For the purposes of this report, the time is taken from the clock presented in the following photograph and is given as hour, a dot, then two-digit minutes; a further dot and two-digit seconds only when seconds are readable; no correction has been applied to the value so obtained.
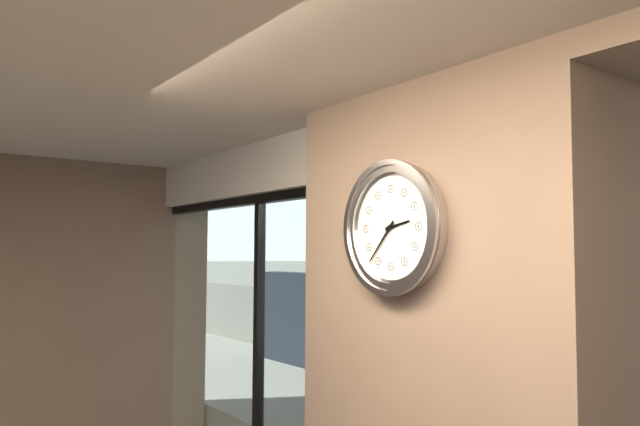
2.37
